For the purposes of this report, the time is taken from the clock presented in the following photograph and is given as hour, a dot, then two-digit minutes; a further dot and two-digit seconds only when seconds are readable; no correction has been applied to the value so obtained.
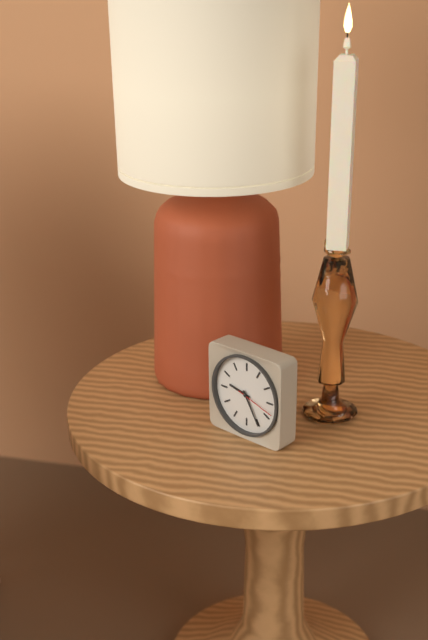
9.25
